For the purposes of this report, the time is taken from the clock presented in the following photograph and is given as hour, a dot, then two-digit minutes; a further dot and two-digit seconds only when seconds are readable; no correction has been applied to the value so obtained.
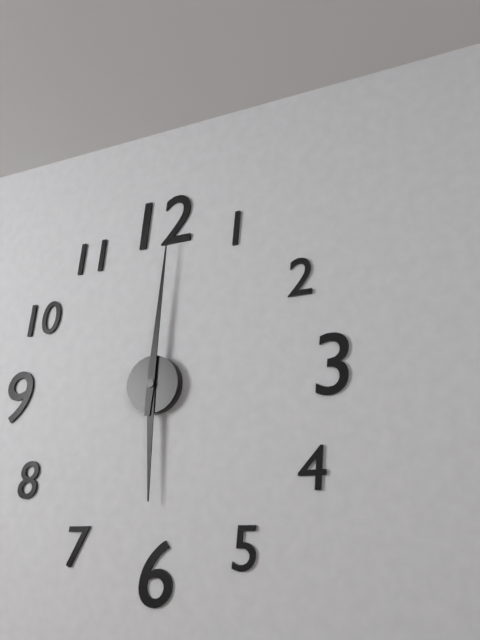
6.01
